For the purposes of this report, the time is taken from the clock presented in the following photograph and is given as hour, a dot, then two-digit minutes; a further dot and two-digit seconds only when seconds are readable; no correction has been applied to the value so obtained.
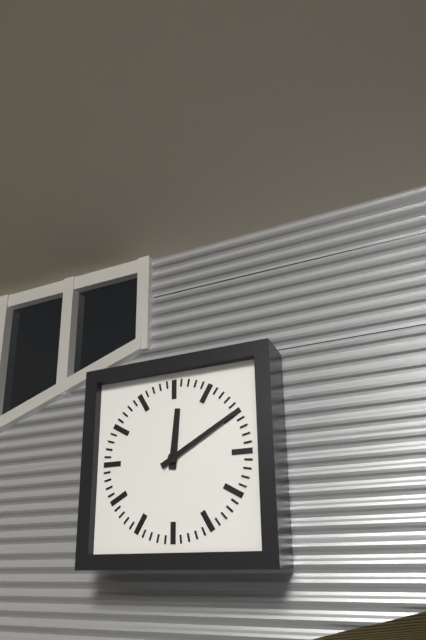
12.10
